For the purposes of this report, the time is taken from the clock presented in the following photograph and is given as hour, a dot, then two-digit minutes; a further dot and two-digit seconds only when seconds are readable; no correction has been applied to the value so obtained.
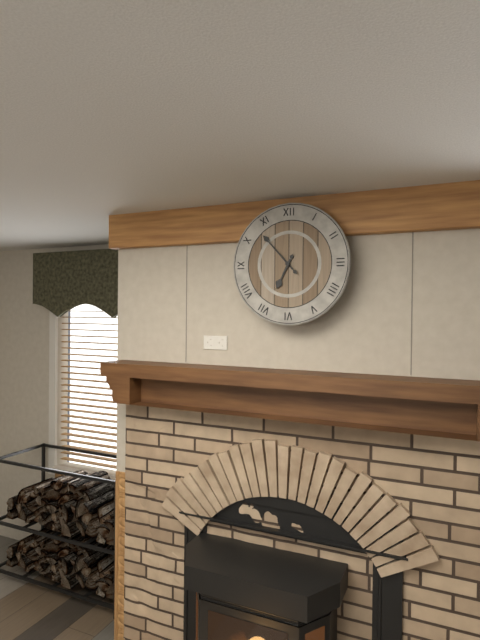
6.53
